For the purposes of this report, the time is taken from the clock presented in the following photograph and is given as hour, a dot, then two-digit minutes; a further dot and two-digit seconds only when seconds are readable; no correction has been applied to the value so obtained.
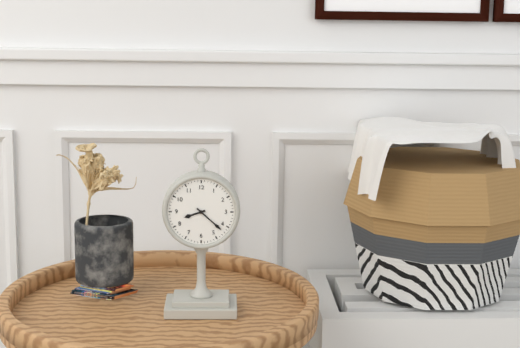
8.22
